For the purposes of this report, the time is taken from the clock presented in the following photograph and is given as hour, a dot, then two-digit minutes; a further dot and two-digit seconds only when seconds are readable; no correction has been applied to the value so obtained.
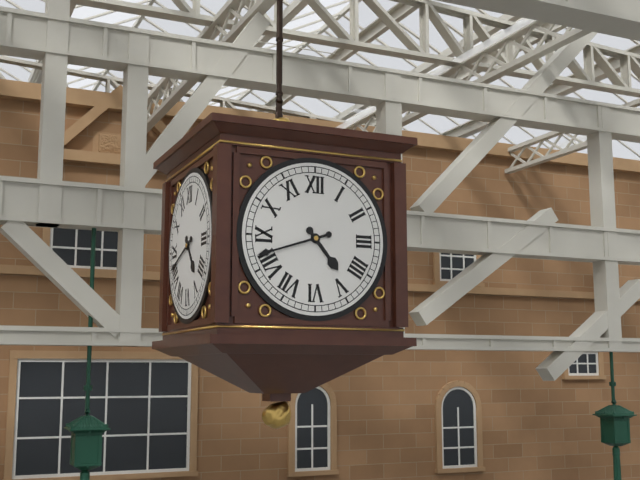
4.42
